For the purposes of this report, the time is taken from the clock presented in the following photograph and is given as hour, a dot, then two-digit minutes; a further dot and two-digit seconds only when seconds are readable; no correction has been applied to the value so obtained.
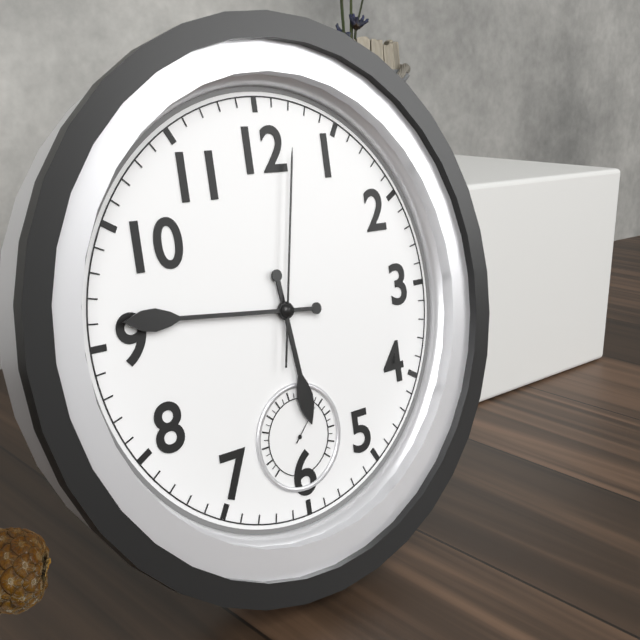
5.46.02
